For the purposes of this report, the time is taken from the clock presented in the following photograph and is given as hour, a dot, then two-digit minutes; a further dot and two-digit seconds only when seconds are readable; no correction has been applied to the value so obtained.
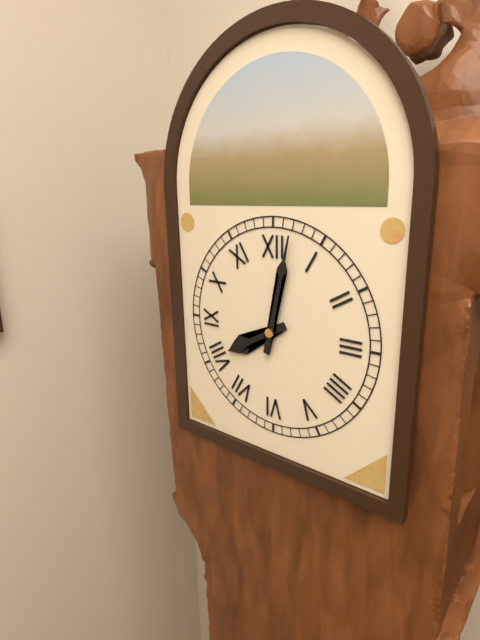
8.02
